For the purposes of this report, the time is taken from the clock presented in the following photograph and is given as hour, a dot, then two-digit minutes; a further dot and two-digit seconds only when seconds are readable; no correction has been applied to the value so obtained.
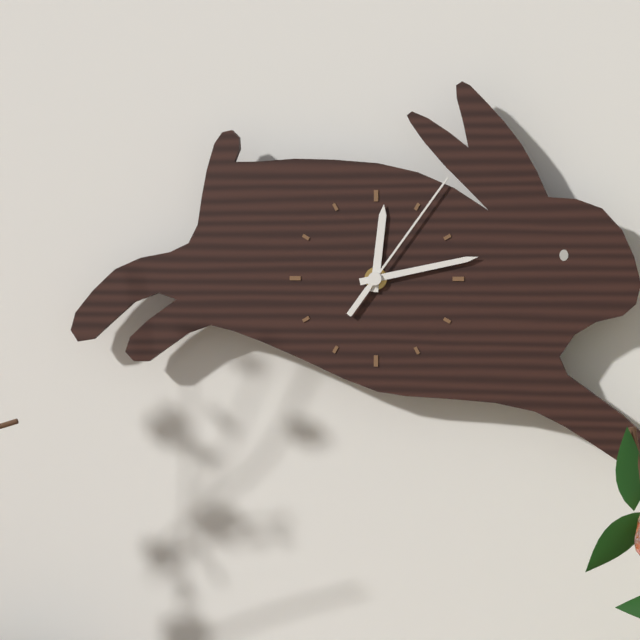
12.13.06
